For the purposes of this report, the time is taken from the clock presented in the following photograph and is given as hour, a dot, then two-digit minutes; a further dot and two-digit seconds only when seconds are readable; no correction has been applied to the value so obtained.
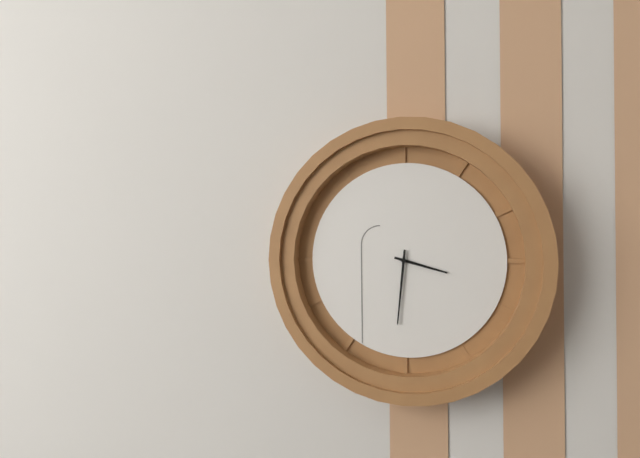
3.31
